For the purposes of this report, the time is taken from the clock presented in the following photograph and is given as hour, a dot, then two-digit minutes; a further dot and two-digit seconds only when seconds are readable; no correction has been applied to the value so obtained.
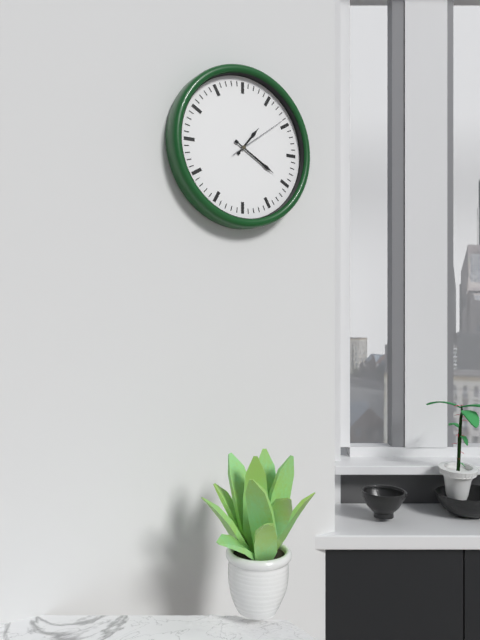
1.20.09
